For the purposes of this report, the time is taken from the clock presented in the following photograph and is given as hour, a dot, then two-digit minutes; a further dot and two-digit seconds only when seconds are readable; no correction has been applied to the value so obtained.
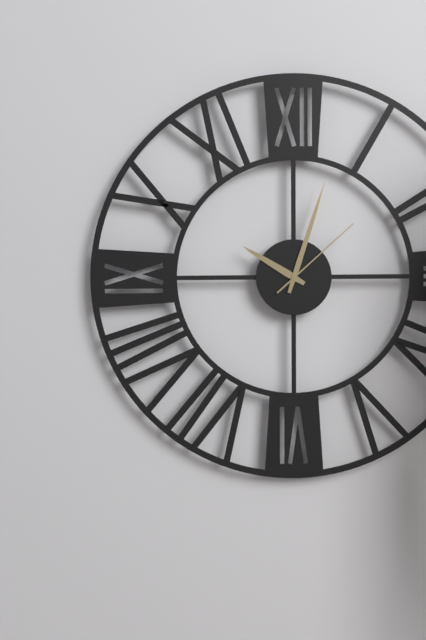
10.03.08
